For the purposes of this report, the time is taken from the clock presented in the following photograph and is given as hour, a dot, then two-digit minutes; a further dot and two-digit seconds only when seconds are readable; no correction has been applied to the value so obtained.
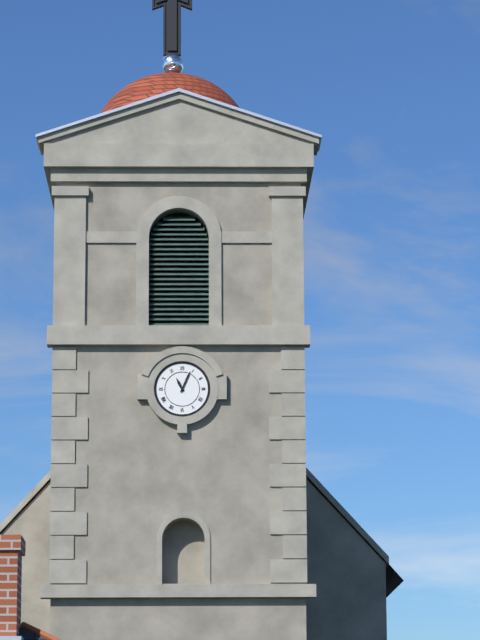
11.04
